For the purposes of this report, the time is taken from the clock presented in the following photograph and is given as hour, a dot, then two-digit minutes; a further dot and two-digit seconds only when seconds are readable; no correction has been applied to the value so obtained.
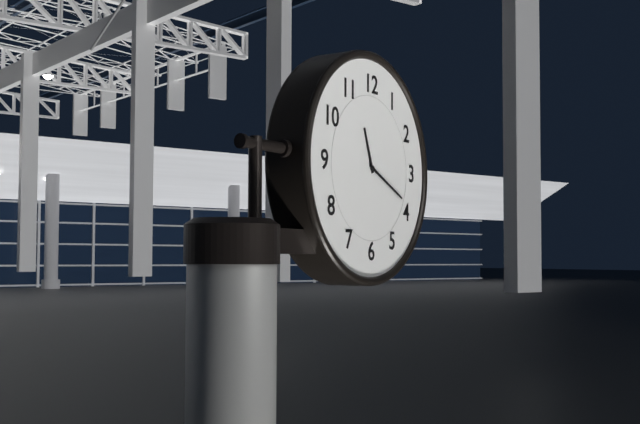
11.19
